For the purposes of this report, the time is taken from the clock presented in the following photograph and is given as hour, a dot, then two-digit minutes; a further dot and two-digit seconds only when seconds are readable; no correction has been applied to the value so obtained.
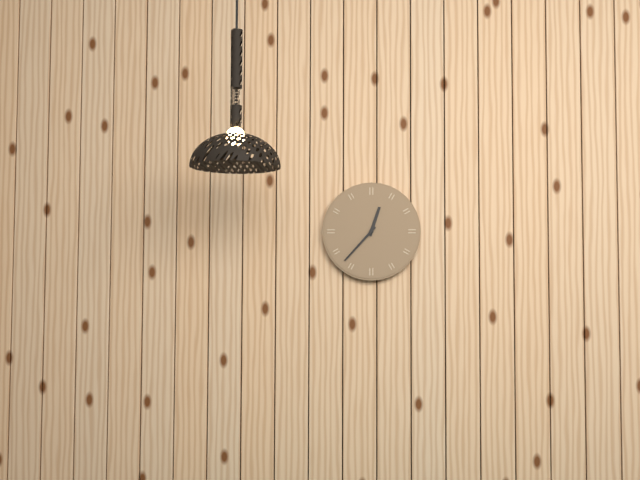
12.37
